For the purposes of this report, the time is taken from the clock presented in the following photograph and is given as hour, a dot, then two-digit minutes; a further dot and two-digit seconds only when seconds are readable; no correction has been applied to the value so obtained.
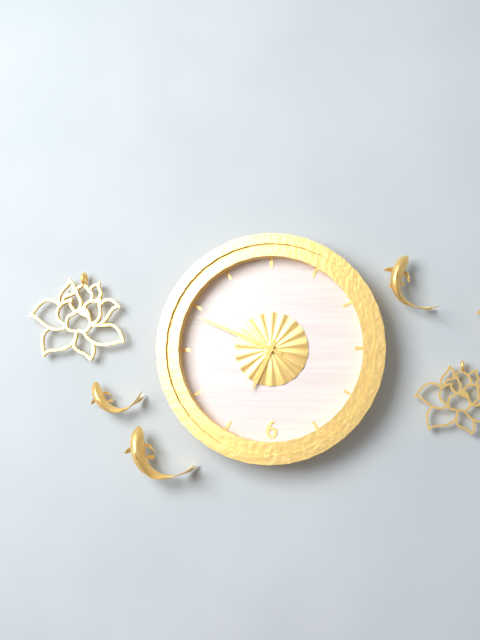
6.49
